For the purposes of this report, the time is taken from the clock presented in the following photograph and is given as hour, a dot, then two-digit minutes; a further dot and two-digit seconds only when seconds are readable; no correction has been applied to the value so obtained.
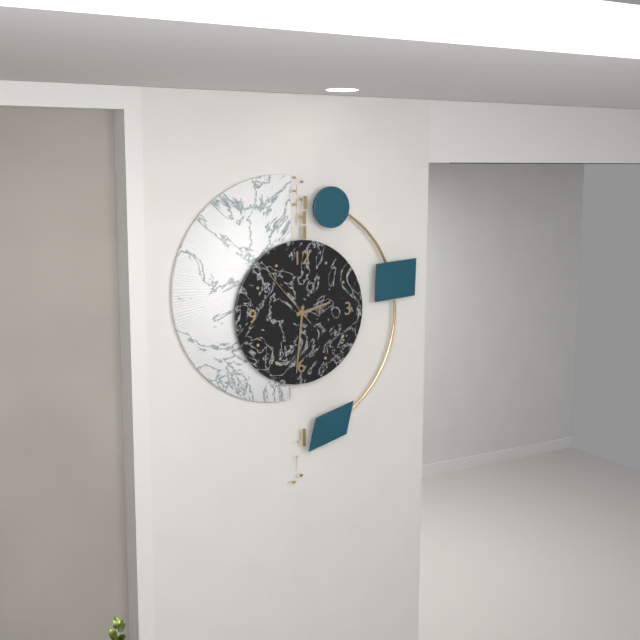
2.31.53
